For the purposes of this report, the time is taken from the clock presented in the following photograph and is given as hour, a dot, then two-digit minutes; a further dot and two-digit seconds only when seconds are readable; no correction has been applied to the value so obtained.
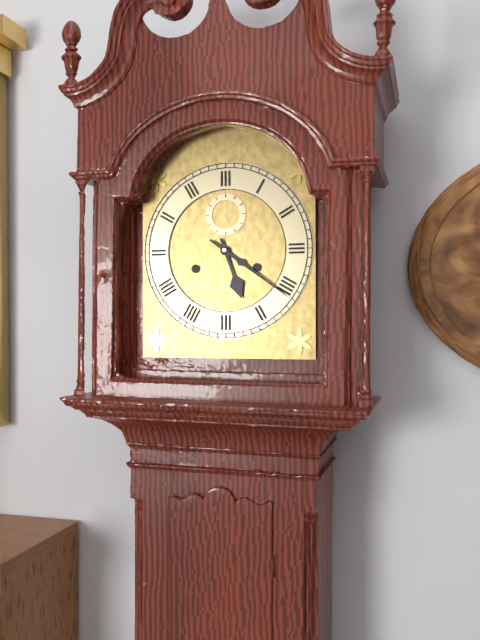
5.21
